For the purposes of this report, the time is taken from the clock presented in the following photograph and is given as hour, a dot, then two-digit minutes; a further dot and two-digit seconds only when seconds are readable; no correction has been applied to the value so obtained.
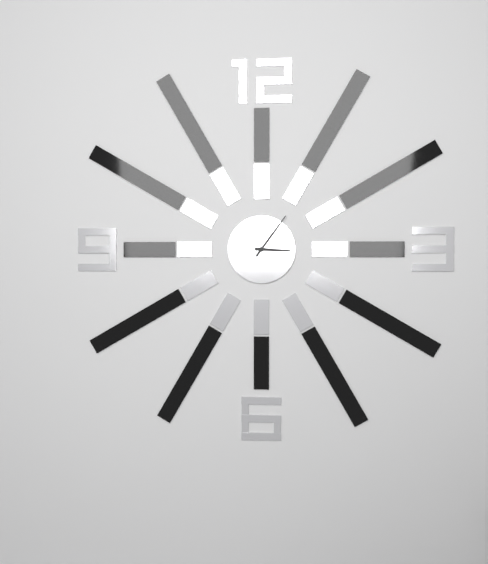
3.06
